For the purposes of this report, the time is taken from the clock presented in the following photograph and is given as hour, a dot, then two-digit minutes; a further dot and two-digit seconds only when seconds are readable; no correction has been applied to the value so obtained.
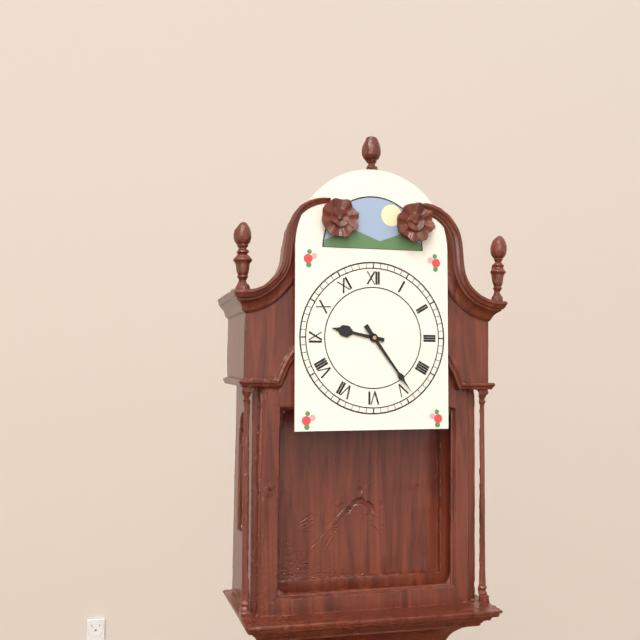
9.24
